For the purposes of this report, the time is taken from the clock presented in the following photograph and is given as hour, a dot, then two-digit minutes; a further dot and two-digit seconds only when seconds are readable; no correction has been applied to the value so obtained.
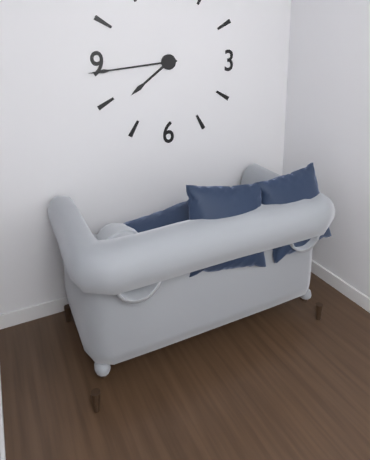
7.44
